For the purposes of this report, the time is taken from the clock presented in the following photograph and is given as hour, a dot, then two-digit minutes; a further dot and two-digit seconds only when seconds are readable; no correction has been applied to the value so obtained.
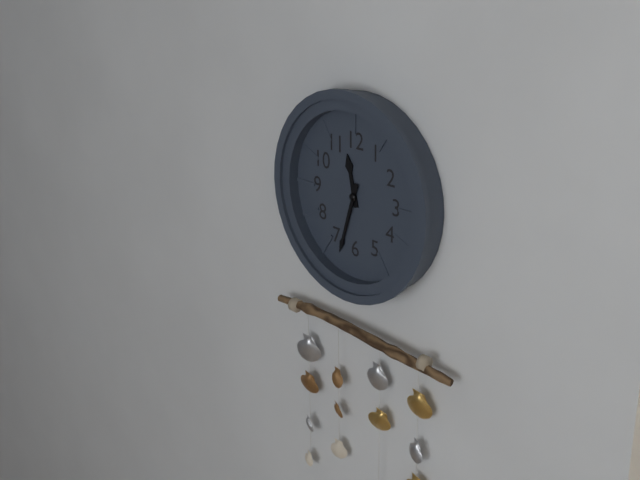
11.33
